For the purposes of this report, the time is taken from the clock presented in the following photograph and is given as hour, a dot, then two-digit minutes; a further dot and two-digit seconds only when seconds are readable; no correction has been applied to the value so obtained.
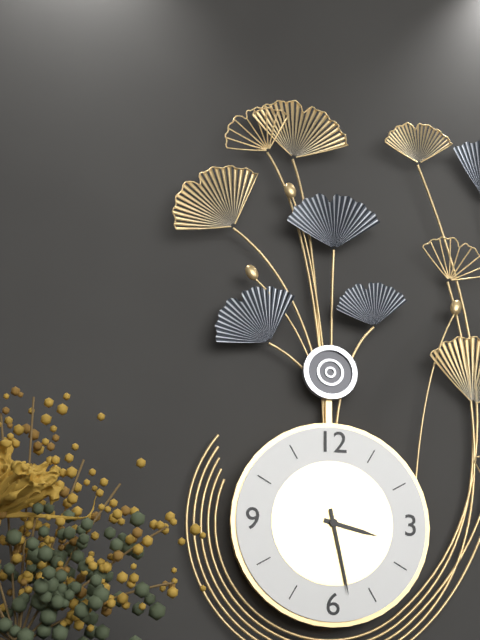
3.28
